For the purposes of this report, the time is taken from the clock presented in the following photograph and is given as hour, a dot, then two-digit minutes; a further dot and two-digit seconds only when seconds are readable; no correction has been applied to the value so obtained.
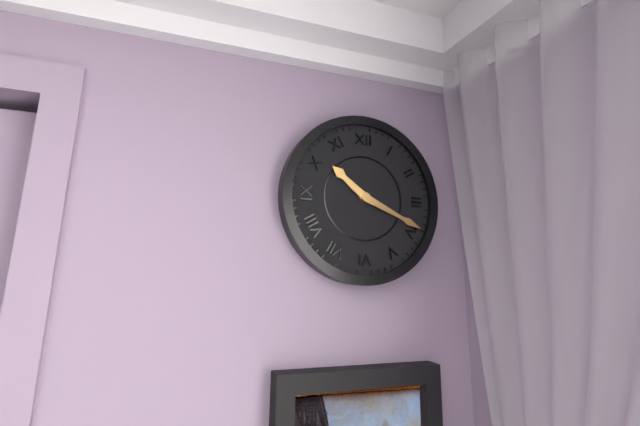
10.19
